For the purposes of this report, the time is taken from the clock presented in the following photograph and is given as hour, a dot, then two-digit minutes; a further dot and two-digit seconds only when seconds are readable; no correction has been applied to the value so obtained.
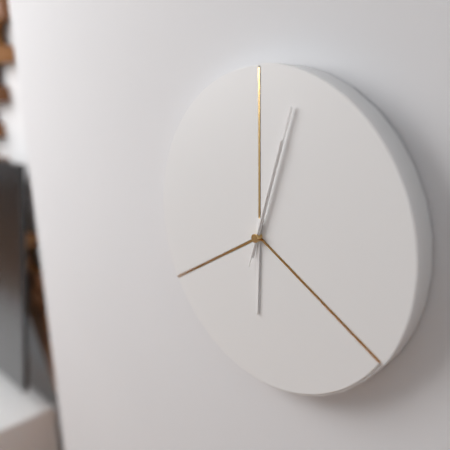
6.03.03
